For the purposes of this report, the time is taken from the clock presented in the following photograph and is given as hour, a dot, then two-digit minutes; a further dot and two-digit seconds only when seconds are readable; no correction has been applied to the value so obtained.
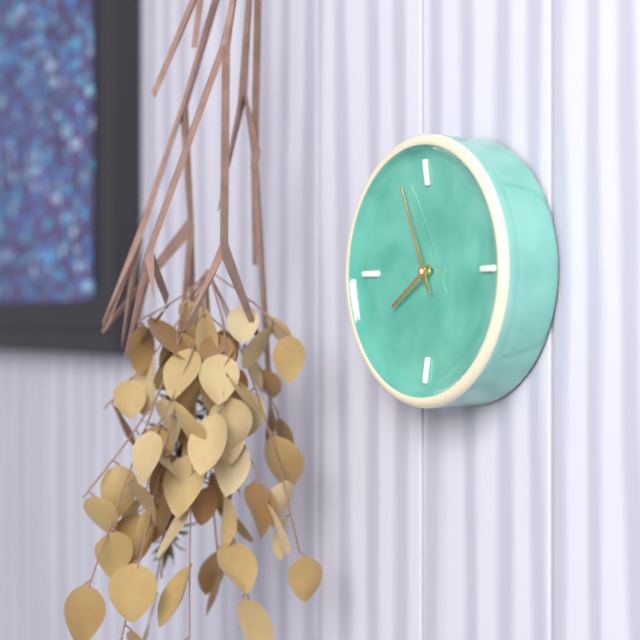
7.56
